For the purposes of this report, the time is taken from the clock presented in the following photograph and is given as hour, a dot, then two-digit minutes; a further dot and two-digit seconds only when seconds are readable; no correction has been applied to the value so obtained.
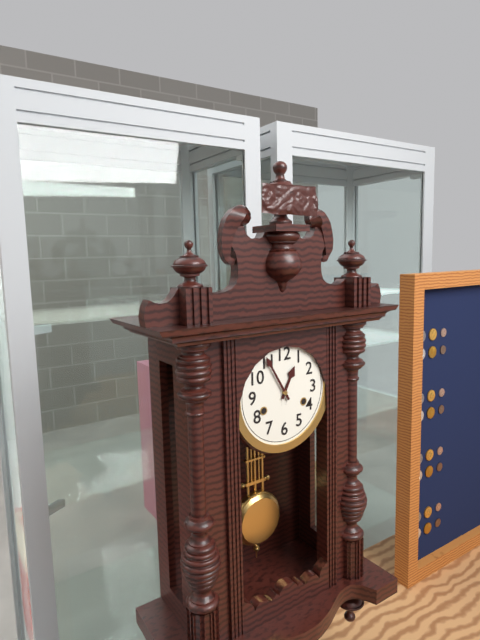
12.55
